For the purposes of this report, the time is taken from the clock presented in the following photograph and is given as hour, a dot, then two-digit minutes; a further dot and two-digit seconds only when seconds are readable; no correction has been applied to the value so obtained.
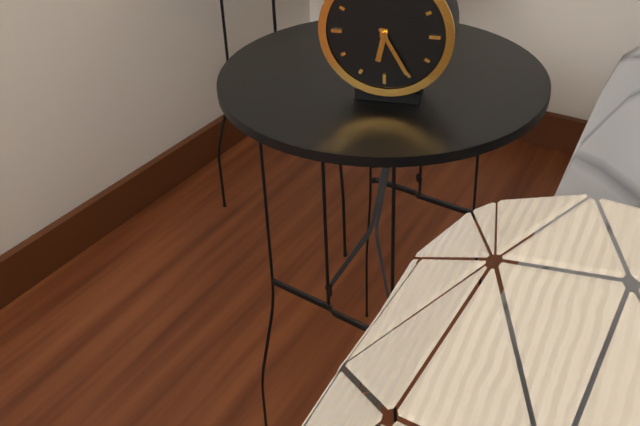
6.25
